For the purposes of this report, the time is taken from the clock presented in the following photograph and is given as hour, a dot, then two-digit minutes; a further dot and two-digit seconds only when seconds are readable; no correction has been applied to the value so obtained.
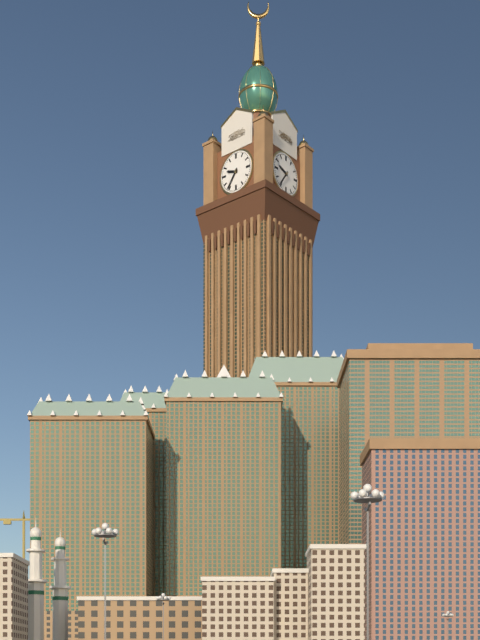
9.36
